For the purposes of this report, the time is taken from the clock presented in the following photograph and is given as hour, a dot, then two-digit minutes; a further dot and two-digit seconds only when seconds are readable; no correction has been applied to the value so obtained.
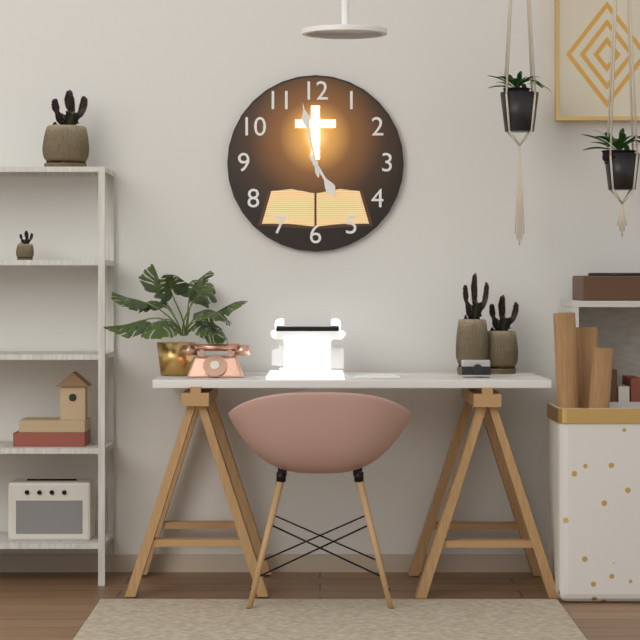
4.58
